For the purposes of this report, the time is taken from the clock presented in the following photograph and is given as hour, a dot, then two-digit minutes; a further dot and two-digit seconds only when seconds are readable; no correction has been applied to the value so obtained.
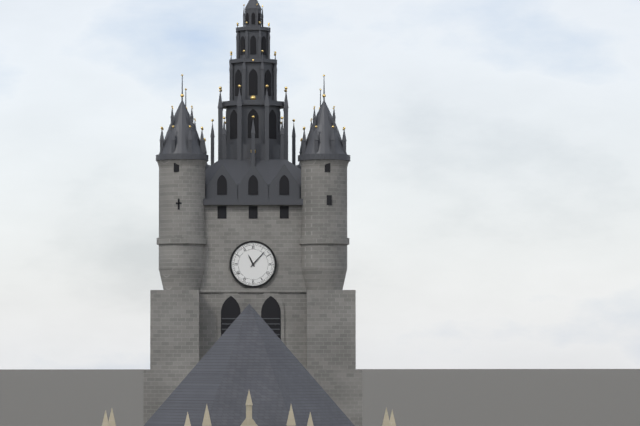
11.07
